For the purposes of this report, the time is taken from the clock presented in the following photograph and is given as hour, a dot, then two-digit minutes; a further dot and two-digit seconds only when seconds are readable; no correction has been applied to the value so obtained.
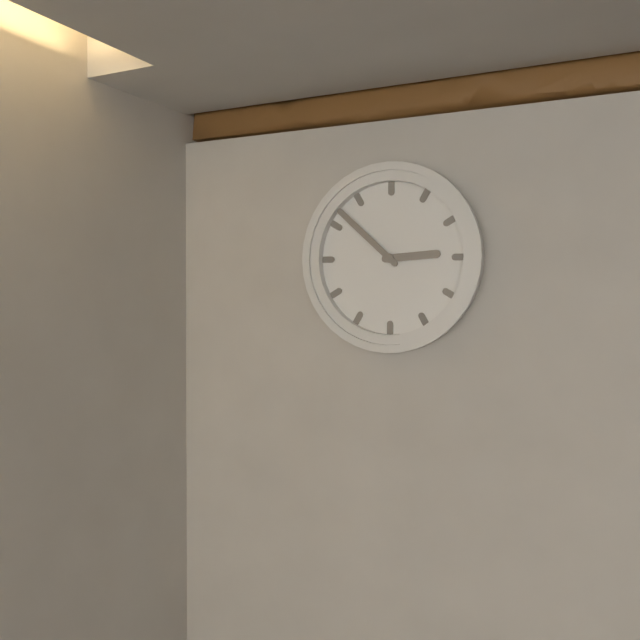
2.52
